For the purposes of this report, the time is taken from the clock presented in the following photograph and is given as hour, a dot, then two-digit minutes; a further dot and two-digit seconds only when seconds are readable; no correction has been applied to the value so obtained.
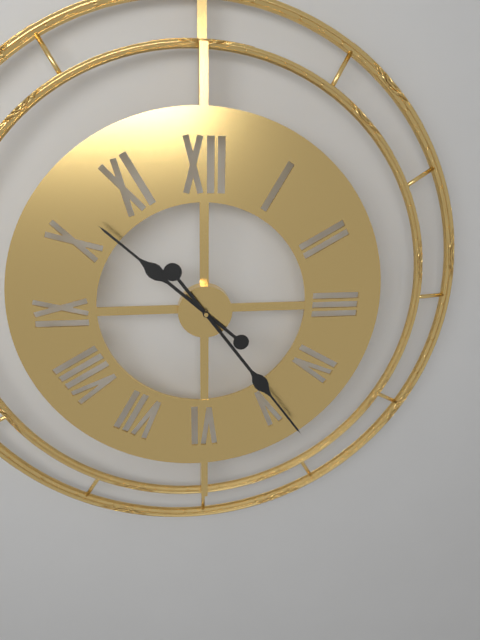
10.24
